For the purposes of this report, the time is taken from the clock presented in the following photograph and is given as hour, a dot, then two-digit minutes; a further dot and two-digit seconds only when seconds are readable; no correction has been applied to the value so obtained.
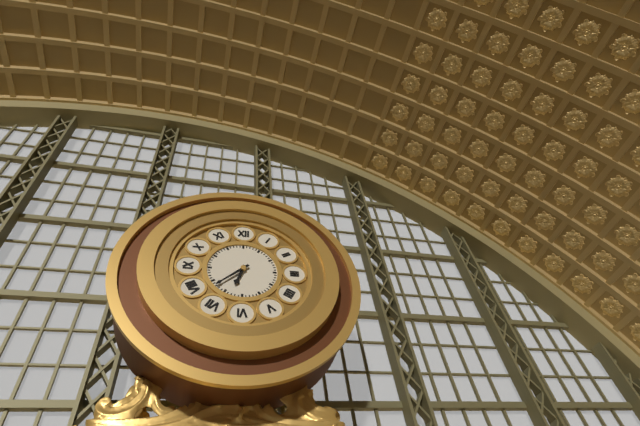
6.38
